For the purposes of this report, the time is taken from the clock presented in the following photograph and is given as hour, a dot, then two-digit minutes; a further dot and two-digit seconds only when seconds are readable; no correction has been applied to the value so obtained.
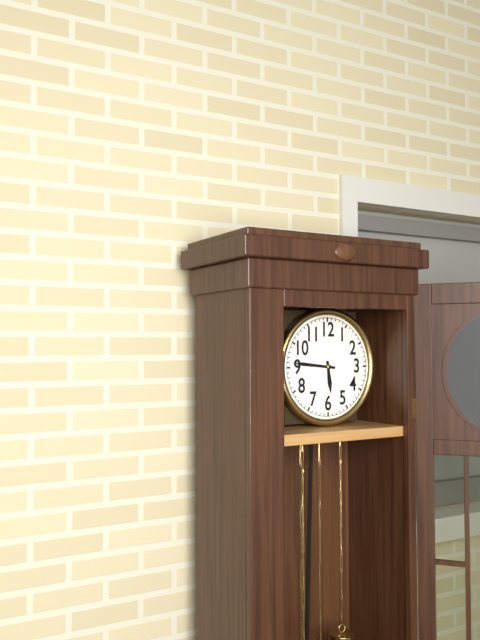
5.46
